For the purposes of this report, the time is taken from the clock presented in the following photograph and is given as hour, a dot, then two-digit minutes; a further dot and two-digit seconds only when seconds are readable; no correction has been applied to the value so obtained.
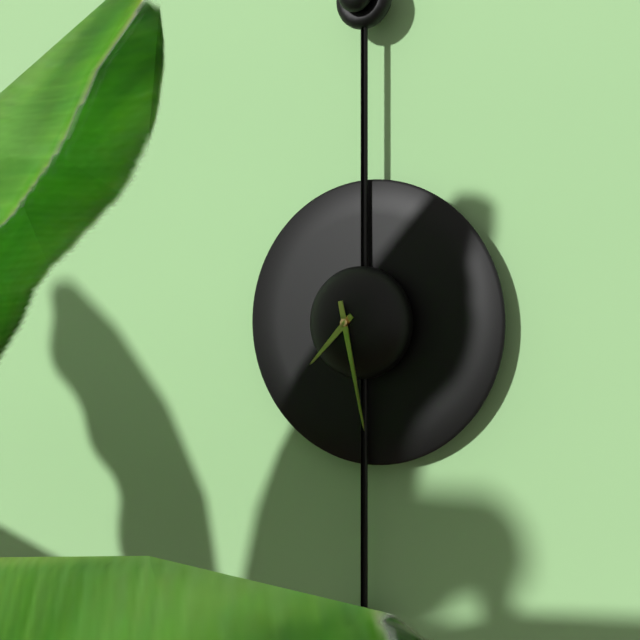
7.28
